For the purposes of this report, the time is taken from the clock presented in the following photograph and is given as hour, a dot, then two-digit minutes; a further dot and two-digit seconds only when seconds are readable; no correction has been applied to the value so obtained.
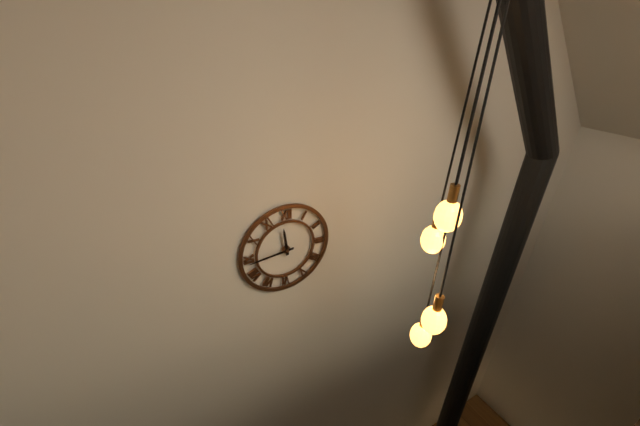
11.44
